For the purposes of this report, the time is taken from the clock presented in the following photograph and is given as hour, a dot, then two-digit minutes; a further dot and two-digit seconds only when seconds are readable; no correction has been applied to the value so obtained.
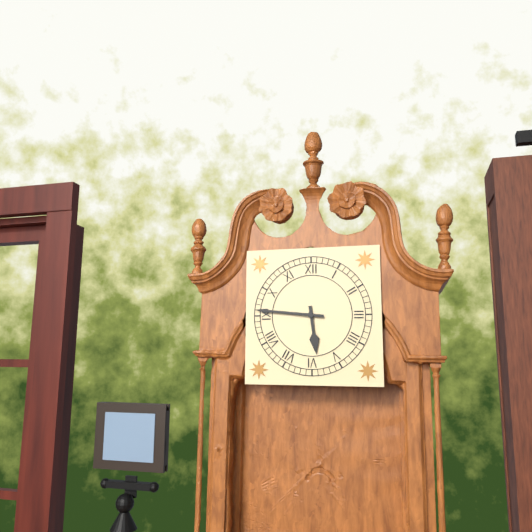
5.46
